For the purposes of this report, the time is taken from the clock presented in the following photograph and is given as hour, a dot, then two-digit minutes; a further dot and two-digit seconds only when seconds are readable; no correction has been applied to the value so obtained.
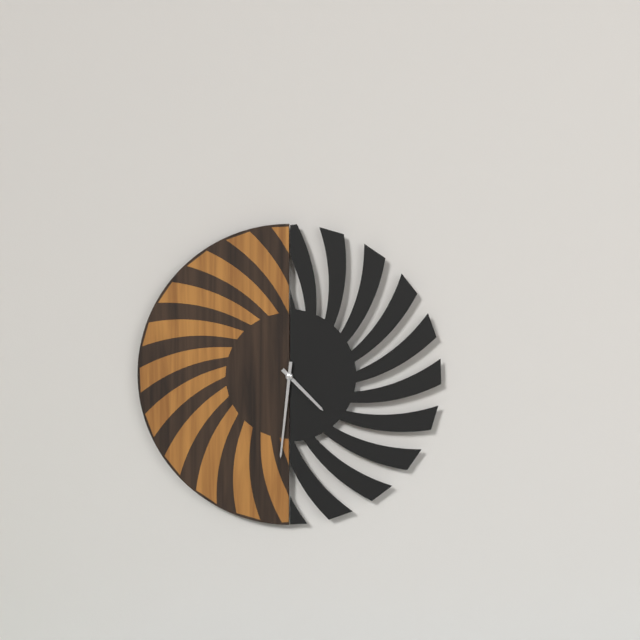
4.31
